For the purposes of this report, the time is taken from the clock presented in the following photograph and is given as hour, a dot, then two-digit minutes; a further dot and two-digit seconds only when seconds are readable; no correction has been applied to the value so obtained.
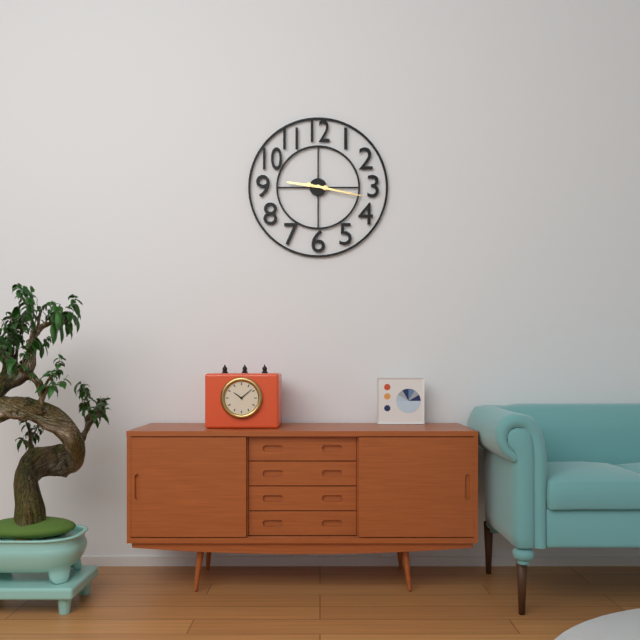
9.17
